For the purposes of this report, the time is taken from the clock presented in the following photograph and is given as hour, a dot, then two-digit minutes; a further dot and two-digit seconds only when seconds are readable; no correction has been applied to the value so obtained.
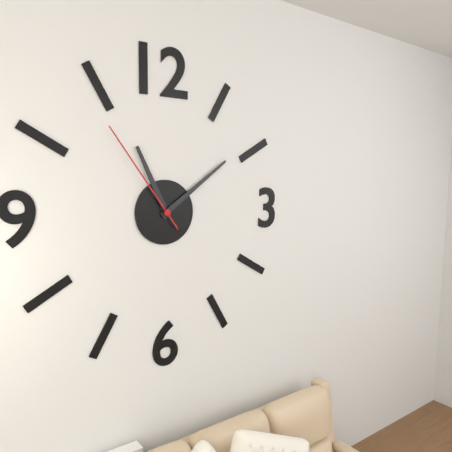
11.09.54
